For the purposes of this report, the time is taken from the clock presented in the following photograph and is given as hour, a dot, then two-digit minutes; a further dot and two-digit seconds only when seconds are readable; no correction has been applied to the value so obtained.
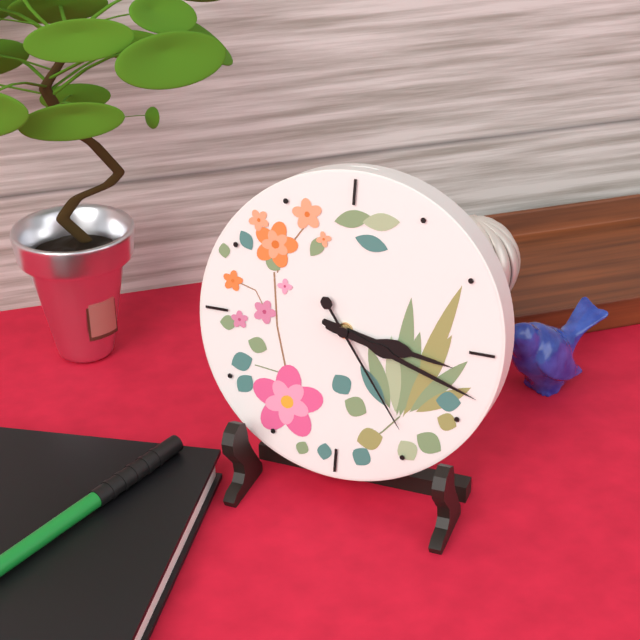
3.18.24
